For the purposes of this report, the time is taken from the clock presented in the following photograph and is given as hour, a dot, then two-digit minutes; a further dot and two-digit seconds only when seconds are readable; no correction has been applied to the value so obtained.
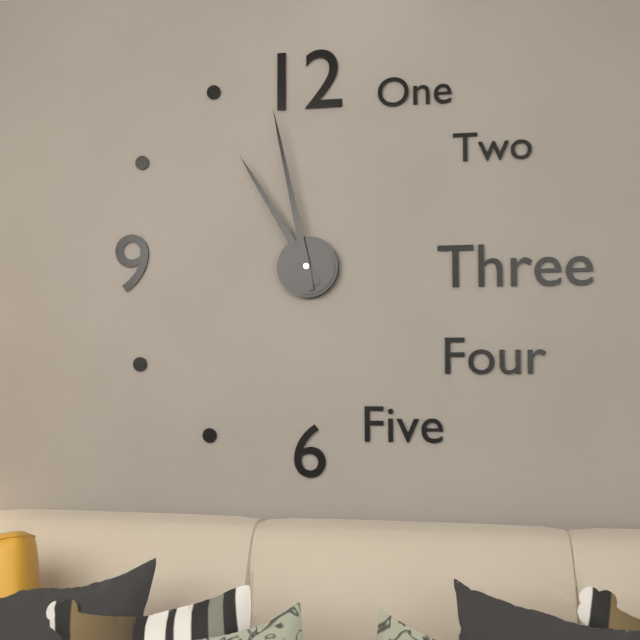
10.58
